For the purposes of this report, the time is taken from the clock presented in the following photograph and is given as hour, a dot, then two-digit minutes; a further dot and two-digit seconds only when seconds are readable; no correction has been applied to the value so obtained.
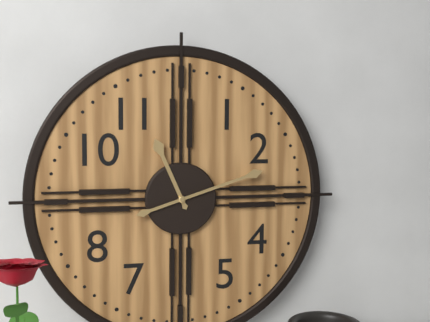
11.12
